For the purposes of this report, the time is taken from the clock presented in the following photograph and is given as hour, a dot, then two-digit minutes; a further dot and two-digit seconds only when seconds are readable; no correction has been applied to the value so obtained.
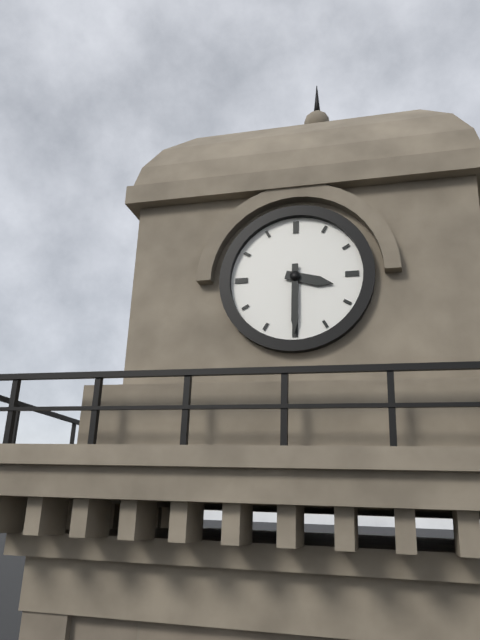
3.30
